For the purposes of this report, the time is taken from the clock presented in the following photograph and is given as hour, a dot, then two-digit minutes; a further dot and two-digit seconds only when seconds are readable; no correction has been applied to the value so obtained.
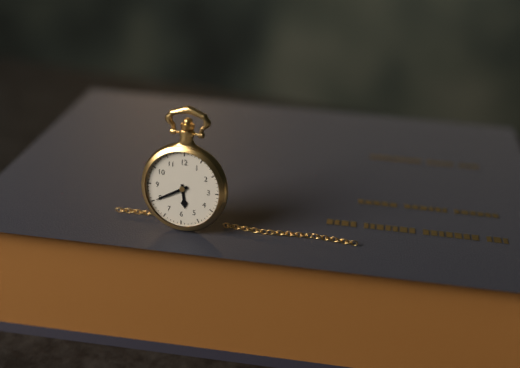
5.40
